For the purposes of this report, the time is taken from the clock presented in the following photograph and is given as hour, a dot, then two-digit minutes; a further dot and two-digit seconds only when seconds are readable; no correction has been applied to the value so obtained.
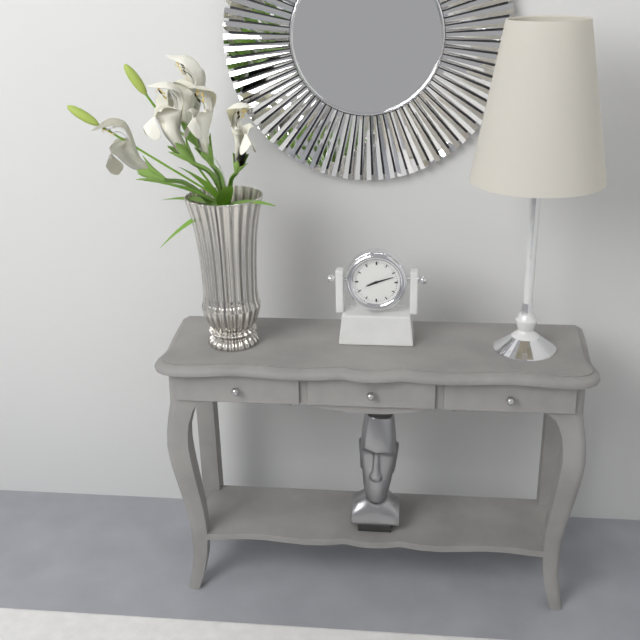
8.12
